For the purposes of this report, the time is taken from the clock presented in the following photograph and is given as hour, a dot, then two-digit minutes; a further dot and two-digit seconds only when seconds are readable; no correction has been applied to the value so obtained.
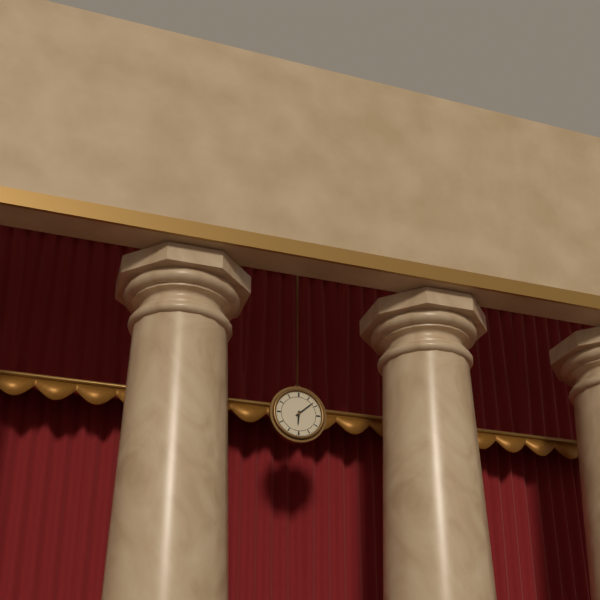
6.08
